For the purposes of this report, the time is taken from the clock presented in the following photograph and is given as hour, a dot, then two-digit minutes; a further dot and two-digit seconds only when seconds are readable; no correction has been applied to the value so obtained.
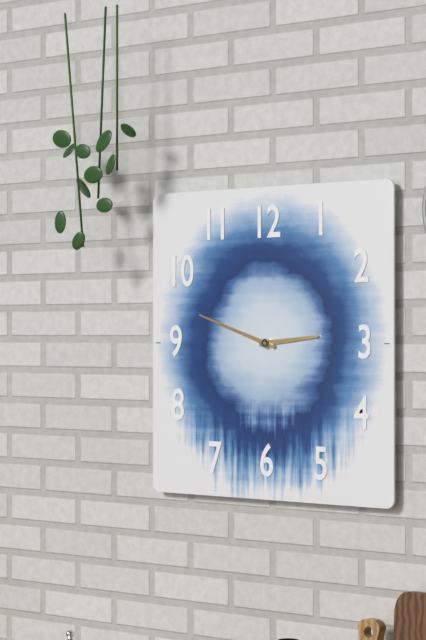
2.48
